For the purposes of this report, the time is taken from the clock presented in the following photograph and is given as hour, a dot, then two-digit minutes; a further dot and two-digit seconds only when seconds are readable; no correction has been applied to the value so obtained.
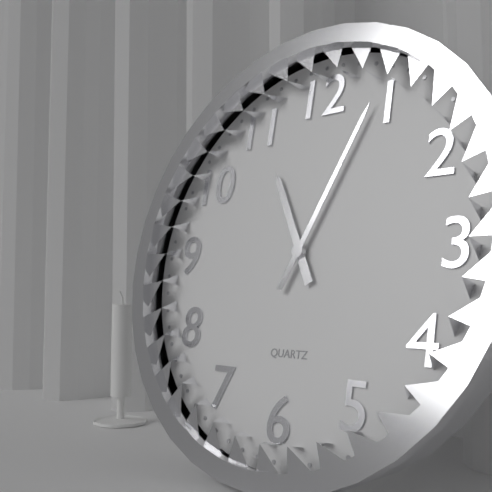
11.04
